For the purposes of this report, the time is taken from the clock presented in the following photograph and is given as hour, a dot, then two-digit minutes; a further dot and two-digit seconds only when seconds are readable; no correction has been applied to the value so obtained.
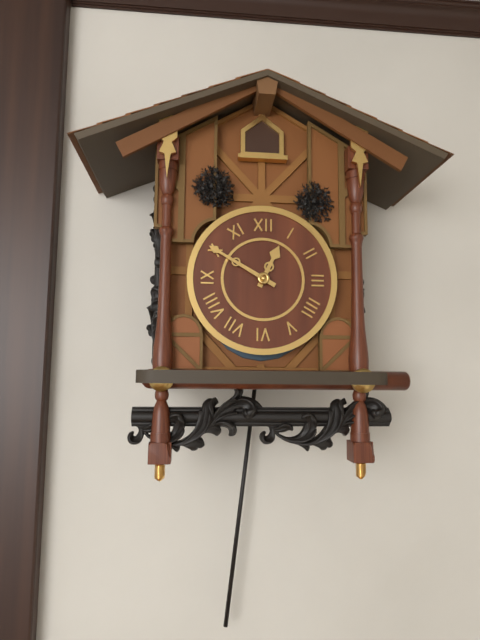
12.50
